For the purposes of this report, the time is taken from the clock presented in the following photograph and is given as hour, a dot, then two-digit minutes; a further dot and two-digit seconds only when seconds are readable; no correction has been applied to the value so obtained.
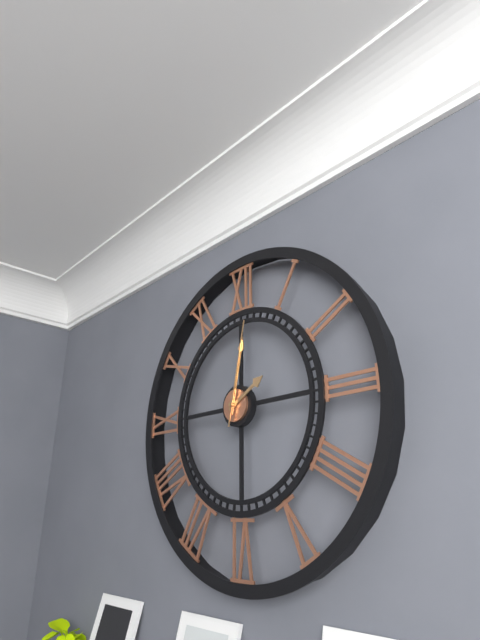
2.02.02
